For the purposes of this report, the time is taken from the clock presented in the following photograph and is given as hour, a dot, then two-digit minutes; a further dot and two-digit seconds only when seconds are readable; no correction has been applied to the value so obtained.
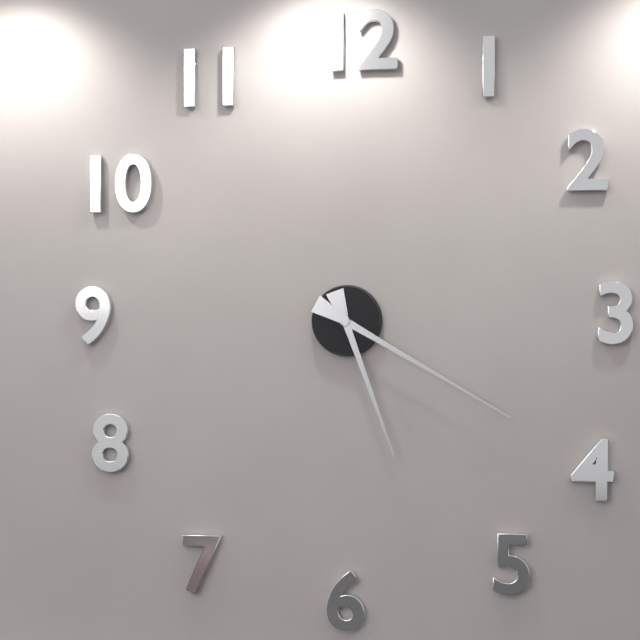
5.20
